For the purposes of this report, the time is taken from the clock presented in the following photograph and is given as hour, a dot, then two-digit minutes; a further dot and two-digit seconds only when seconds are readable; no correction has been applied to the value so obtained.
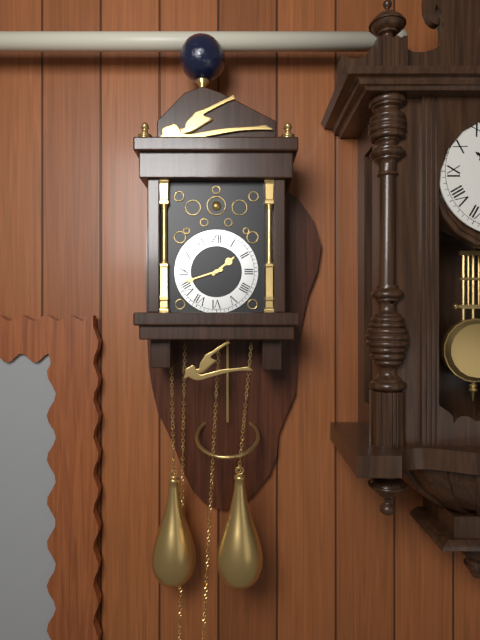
1.42
